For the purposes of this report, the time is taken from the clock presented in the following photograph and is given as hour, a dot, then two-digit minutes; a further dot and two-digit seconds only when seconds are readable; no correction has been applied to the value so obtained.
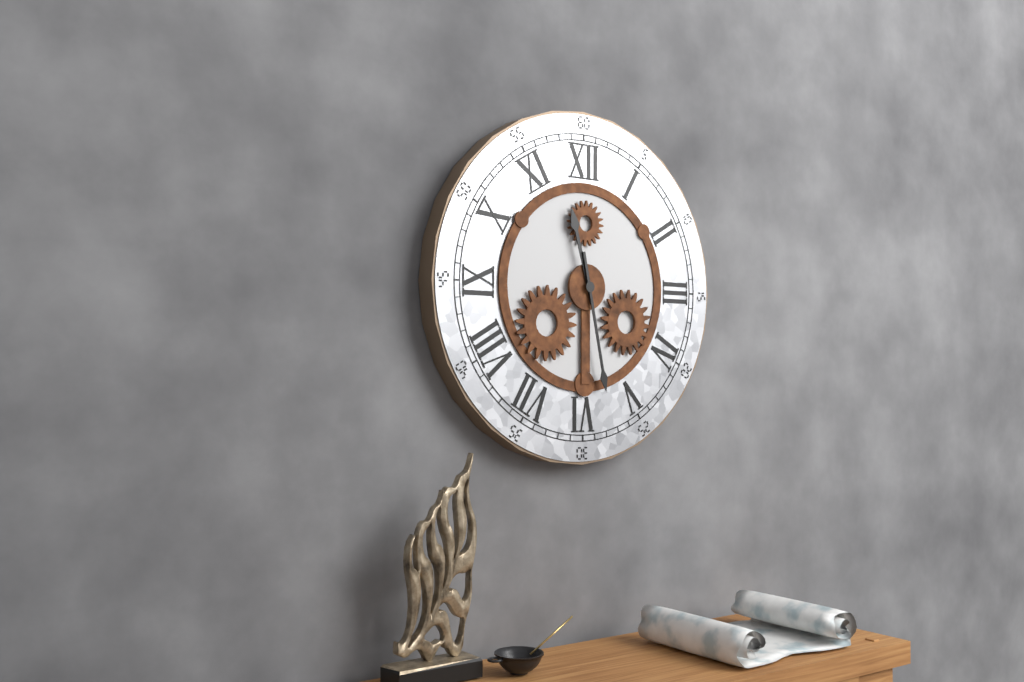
11.28
